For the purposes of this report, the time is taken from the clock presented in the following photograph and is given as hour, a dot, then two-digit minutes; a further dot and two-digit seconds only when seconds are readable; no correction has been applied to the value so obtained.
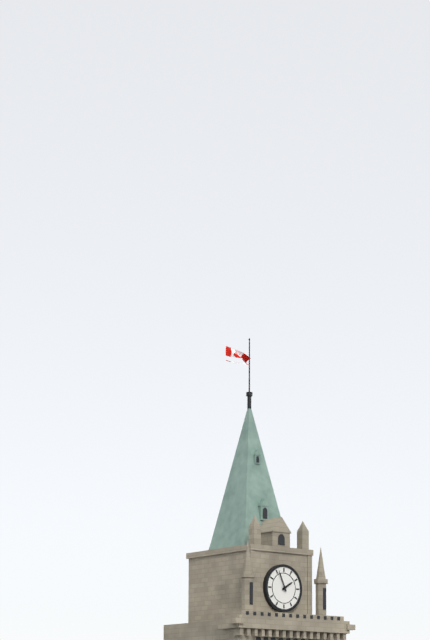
1.56
